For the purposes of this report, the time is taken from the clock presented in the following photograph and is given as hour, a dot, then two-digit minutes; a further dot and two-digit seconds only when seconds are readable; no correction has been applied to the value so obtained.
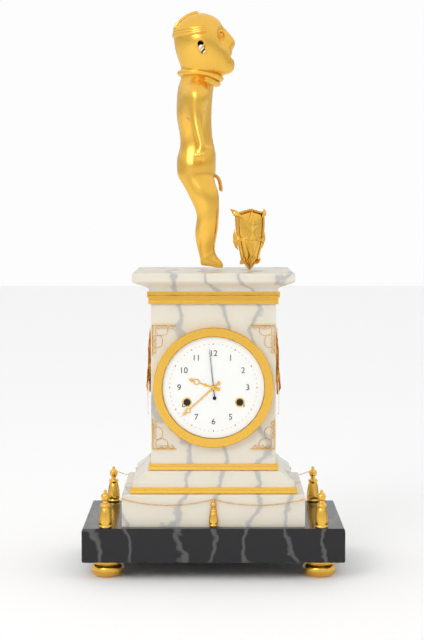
9.38
